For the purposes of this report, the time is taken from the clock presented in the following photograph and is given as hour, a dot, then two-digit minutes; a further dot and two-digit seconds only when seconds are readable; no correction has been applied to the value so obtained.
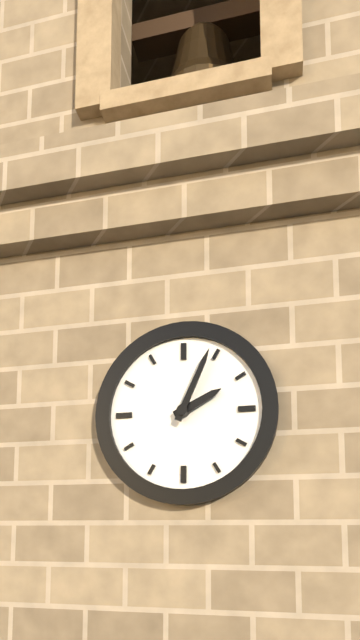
2.04
